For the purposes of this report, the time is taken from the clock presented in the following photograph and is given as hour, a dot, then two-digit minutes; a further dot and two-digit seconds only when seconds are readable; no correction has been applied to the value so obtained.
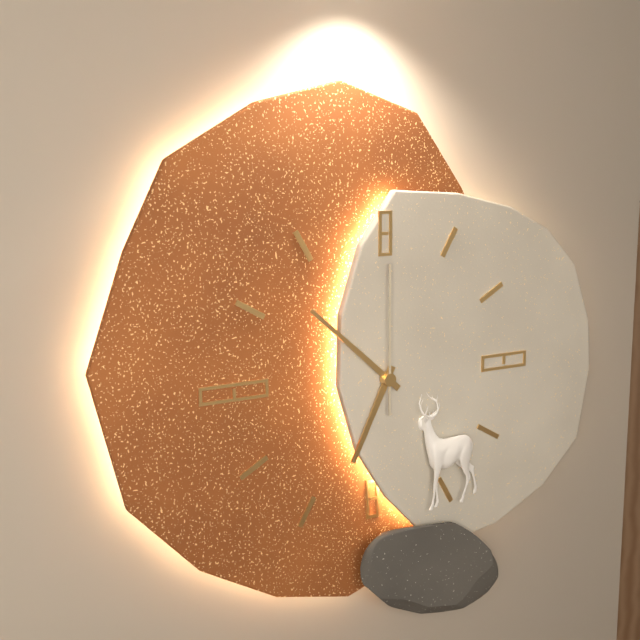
6.52.00
